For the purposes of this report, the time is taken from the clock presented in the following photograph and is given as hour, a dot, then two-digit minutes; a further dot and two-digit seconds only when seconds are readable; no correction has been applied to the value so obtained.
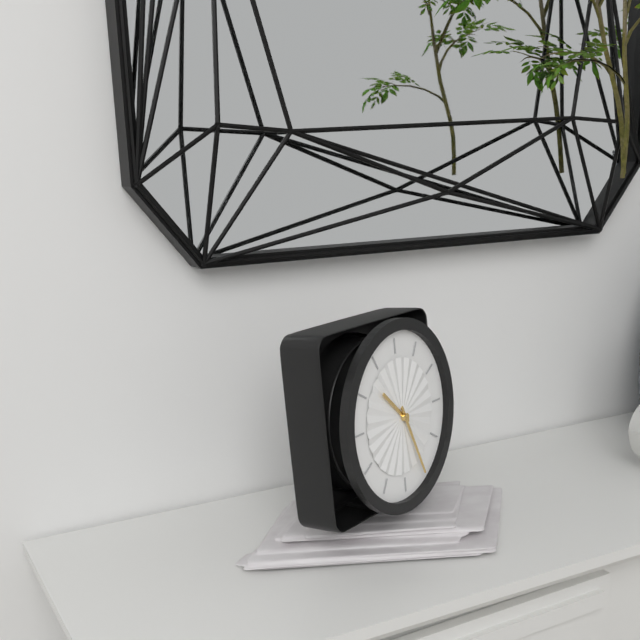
10.26
